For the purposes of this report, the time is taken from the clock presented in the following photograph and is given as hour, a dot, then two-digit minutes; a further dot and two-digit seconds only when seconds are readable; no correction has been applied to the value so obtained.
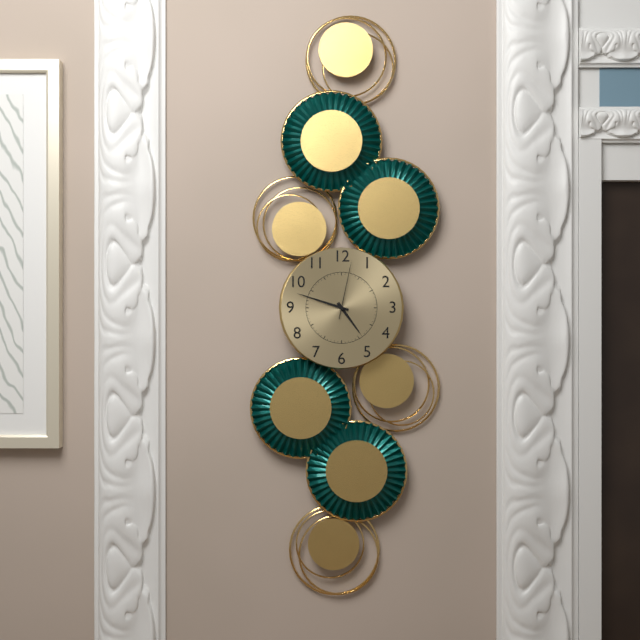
4.48.02
